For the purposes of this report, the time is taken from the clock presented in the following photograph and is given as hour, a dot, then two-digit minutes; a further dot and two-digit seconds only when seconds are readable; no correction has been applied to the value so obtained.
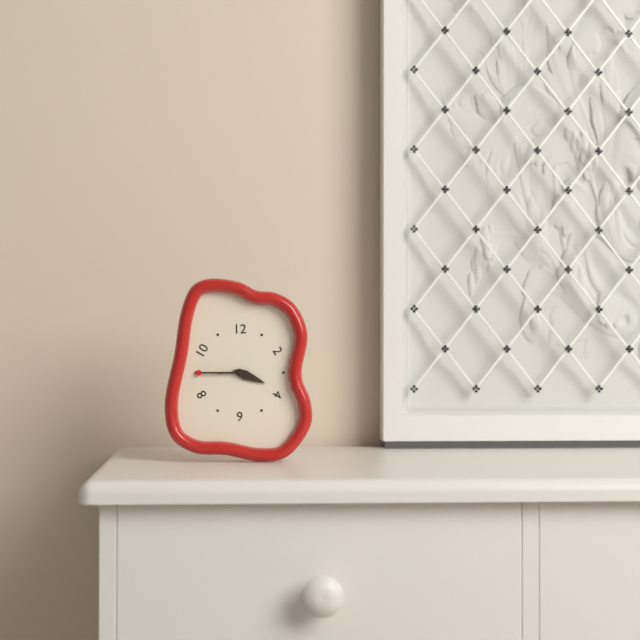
3.45
